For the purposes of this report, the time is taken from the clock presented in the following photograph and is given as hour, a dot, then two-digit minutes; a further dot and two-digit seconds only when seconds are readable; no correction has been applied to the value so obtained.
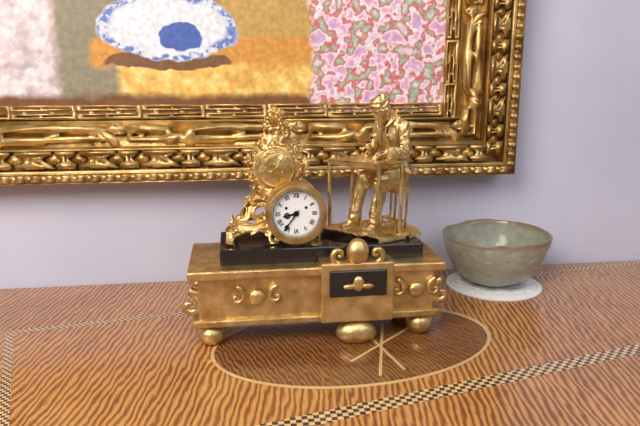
8.36
